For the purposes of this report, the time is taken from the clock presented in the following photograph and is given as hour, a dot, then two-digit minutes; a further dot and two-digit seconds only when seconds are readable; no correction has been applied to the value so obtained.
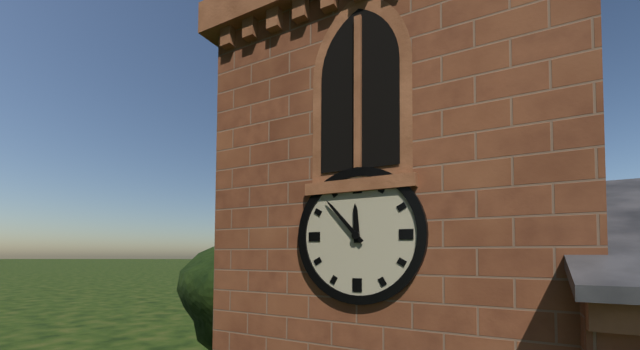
11.53
